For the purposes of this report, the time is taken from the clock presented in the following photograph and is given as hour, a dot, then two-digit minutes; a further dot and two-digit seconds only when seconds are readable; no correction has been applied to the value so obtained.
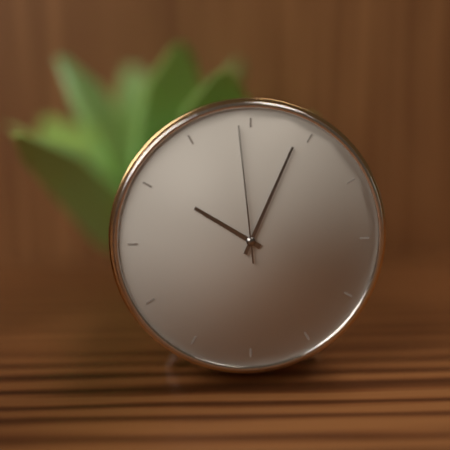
10.04.59
